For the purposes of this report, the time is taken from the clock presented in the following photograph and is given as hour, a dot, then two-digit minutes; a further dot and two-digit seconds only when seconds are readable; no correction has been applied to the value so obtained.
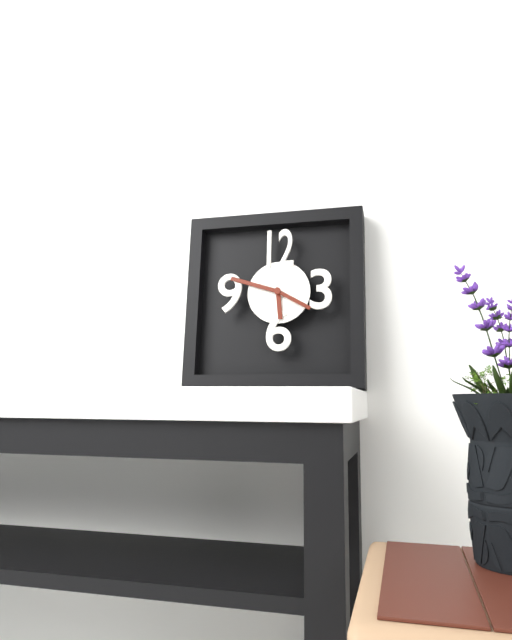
5.48
